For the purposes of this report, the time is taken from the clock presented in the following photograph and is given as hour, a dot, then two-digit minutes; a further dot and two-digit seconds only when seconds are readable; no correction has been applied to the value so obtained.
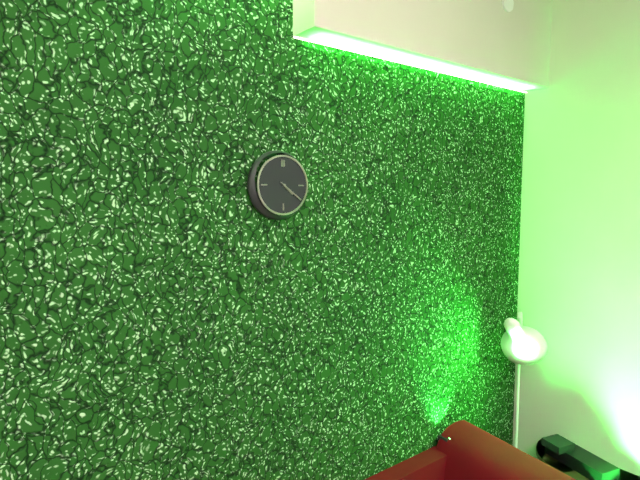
4.21
